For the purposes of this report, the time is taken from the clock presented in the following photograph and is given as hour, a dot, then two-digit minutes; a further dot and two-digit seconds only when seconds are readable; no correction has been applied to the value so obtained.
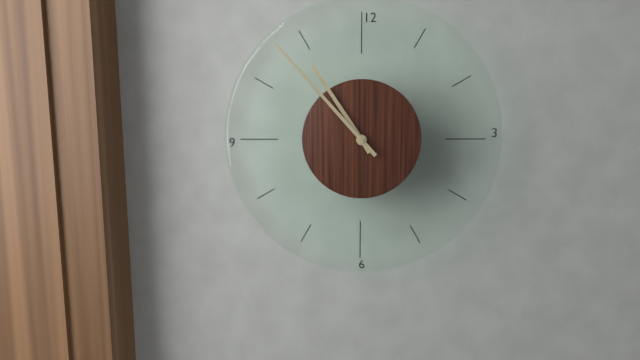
10.53
